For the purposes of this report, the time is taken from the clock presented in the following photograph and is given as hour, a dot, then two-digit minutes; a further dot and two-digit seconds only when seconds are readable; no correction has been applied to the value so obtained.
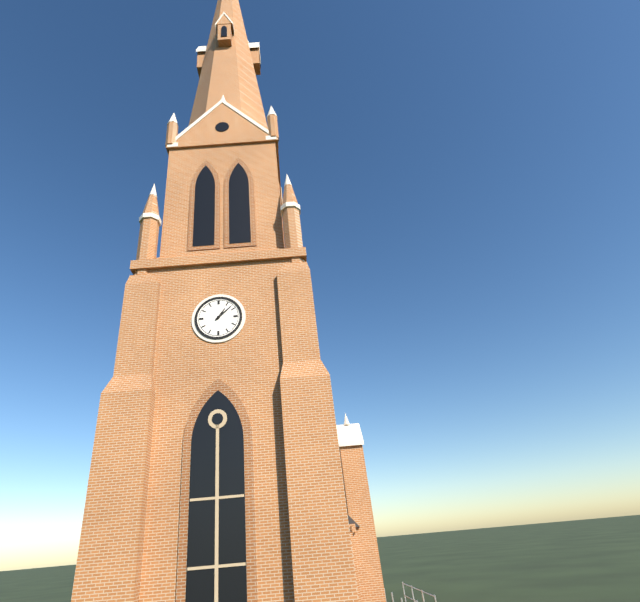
1.08
